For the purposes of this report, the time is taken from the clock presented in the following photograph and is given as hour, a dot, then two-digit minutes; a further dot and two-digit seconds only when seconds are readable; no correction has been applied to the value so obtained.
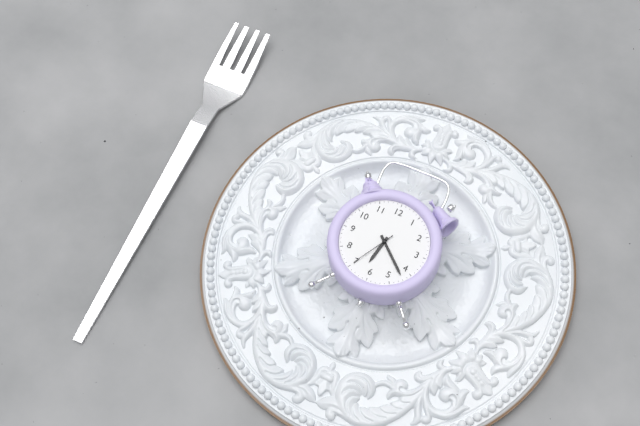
6.22
